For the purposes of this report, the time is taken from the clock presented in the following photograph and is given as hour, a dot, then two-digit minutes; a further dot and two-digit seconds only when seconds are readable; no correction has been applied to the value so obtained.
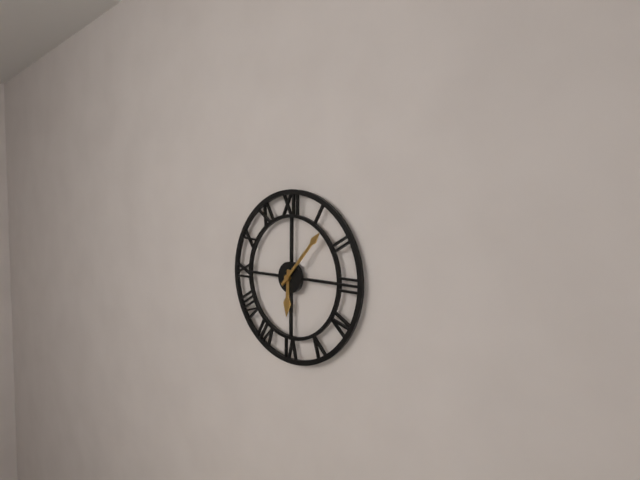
6.07
